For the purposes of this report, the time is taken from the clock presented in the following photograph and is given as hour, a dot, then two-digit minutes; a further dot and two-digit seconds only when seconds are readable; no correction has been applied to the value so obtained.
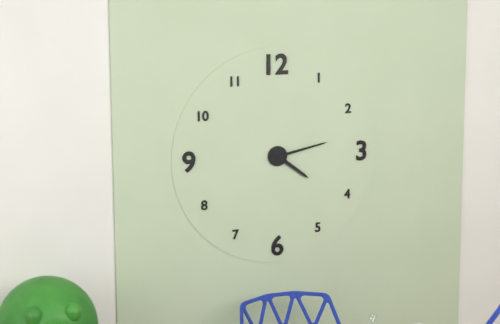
4.13
